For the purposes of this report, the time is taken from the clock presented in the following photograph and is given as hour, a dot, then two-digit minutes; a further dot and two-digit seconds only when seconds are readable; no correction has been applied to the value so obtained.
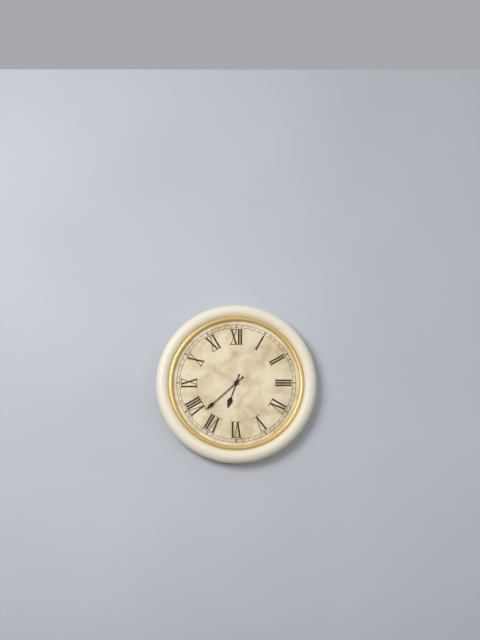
6.38
